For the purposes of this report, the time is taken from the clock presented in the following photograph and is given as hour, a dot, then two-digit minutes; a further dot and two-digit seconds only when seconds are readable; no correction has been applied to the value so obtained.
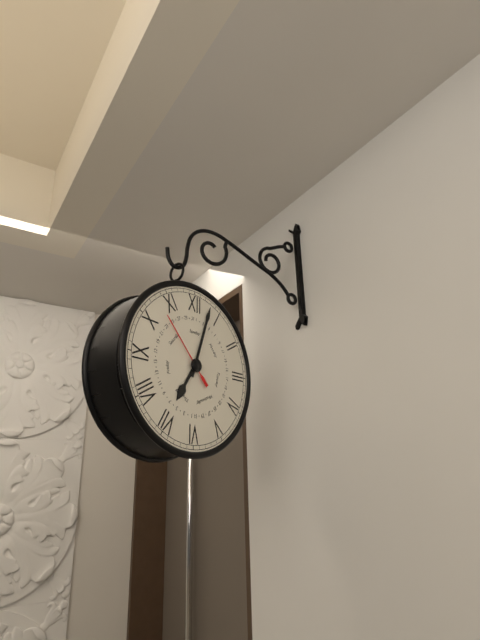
7.03.53
